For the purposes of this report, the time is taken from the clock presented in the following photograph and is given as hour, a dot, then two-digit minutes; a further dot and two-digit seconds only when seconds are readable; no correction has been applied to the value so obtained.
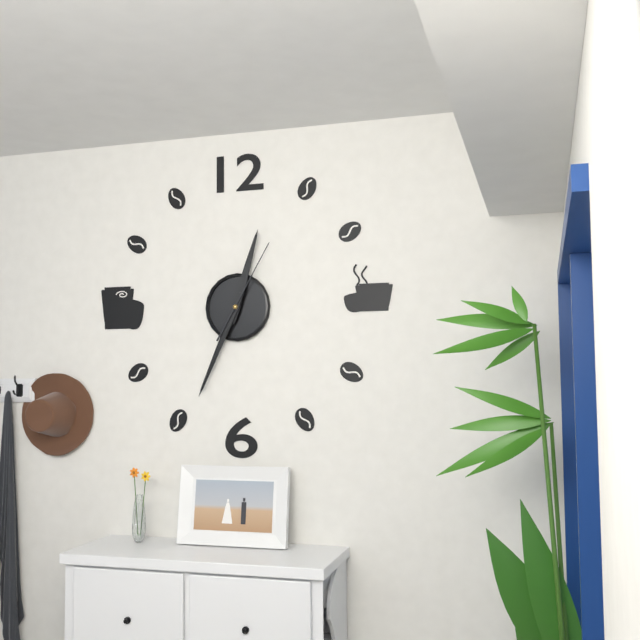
12.34.05
